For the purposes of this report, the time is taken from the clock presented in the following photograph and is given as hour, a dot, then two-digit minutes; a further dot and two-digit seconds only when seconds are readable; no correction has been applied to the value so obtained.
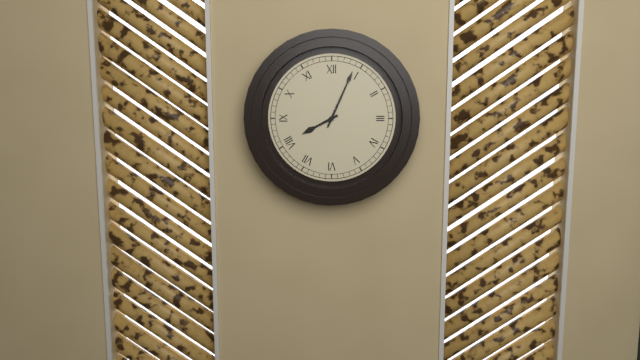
8.04
